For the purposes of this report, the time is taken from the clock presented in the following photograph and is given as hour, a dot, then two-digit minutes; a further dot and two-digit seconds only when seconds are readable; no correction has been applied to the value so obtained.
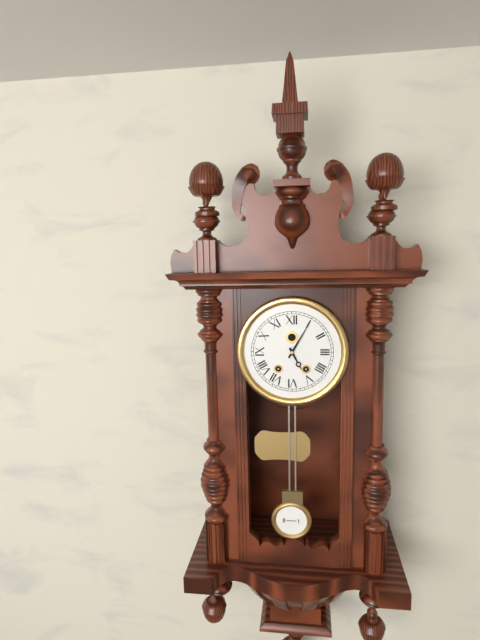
5.05
